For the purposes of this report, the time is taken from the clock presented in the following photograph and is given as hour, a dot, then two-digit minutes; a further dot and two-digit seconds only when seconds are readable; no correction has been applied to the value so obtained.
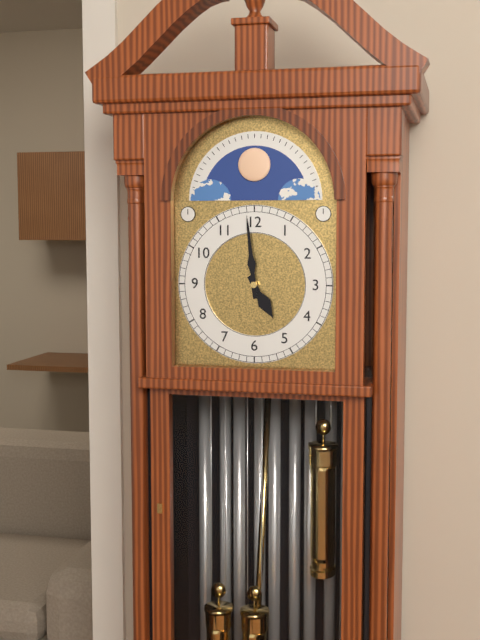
4.59
